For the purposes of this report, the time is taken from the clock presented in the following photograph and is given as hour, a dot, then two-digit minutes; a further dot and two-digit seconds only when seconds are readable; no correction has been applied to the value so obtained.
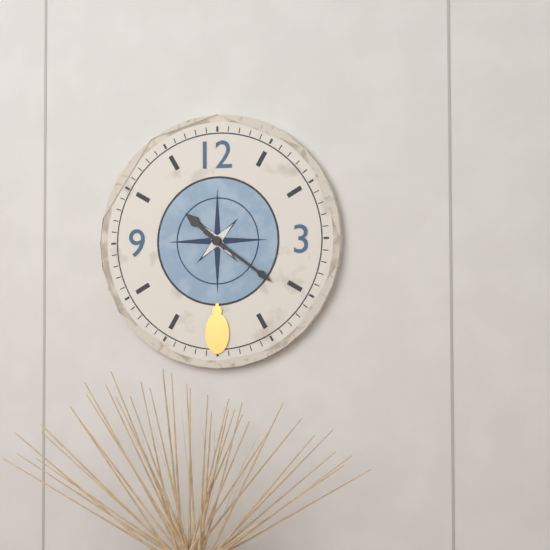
10.21
